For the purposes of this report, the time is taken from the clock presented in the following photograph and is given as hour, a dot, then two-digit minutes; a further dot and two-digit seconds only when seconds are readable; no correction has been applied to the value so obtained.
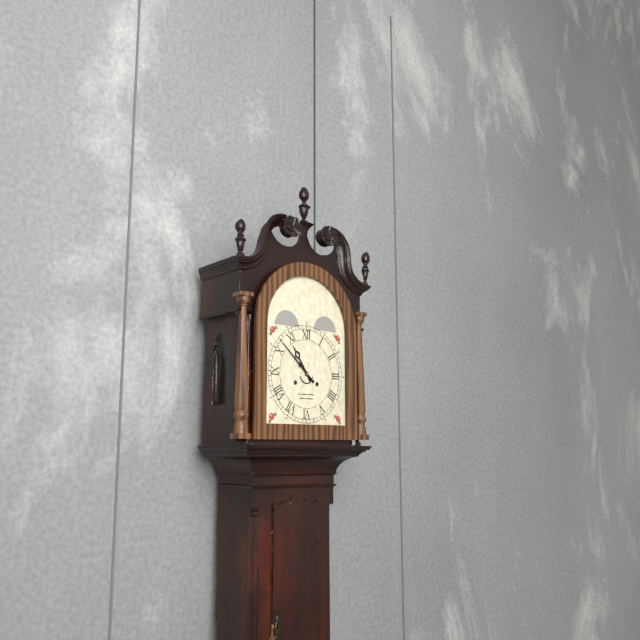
10.52
